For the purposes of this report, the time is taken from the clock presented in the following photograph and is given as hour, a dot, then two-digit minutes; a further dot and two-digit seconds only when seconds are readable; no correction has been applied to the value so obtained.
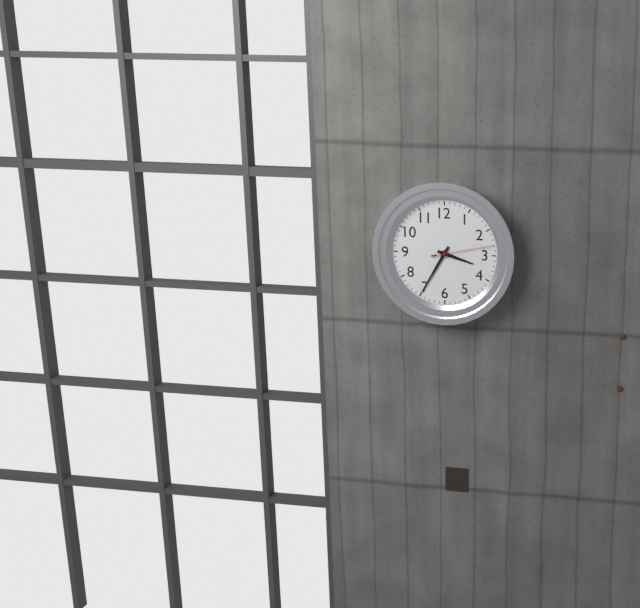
3.35.13
